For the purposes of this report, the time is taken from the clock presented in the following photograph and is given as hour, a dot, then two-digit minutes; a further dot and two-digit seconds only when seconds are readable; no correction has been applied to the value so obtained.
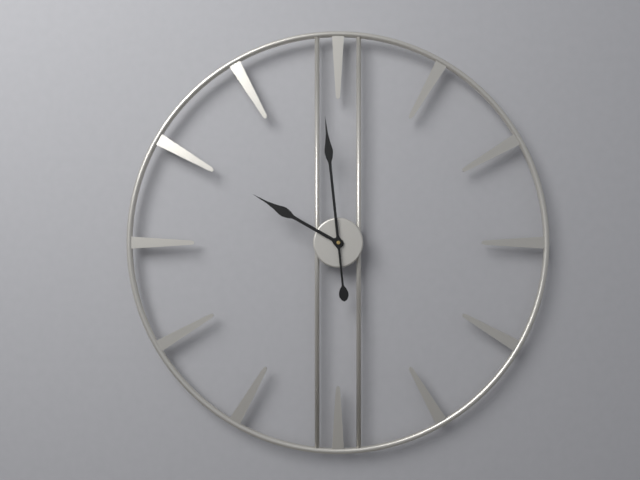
9.59
